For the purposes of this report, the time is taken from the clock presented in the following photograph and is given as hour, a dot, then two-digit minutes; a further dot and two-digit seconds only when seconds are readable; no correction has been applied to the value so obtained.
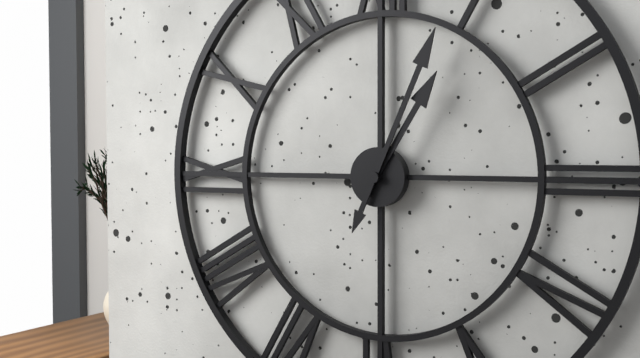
1.04
